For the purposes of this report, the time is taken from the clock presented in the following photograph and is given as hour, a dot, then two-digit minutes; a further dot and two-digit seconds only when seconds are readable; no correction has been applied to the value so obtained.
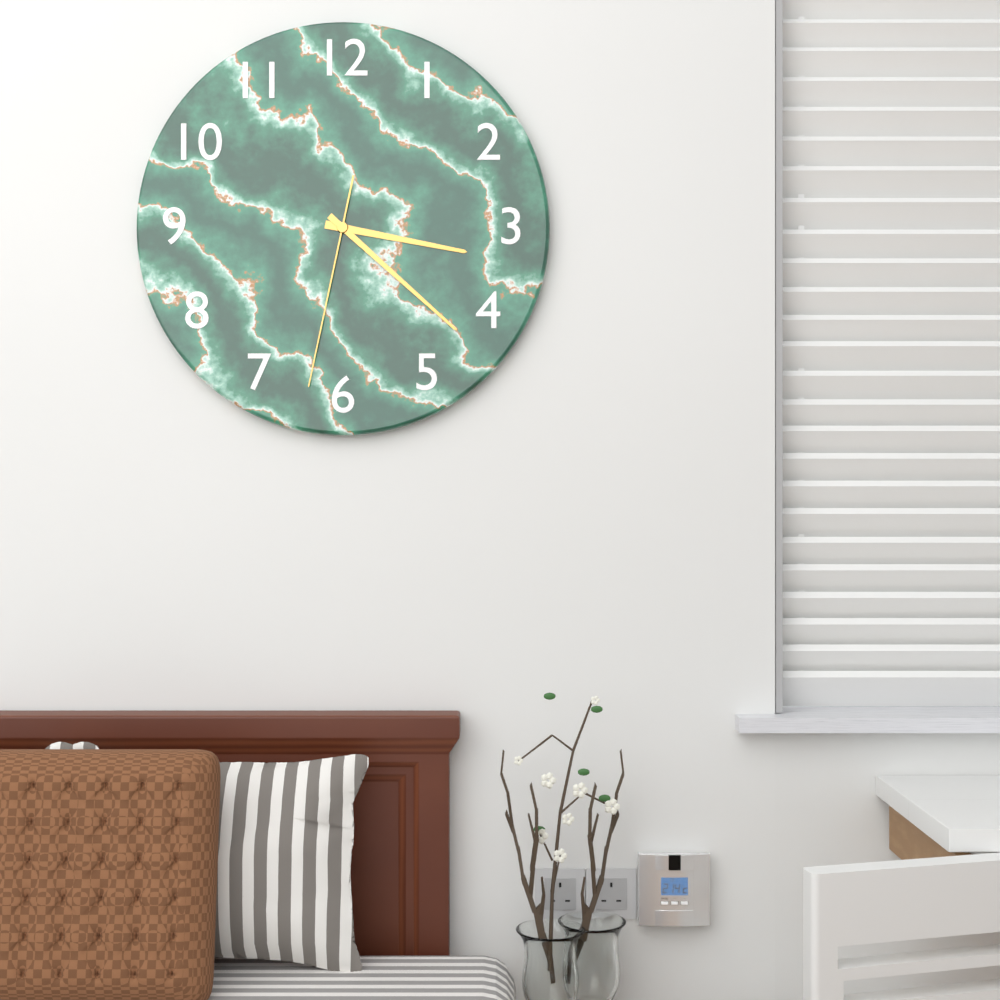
3.22.32
